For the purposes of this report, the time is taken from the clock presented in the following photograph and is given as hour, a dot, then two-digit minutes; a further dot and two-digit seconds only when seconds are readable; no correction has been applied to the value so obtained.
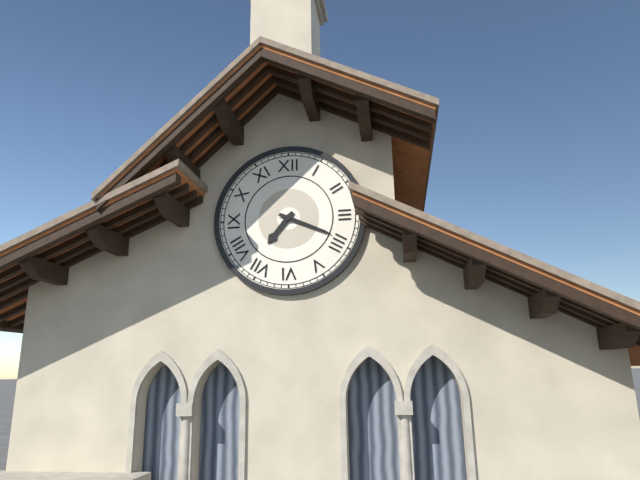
7.19
